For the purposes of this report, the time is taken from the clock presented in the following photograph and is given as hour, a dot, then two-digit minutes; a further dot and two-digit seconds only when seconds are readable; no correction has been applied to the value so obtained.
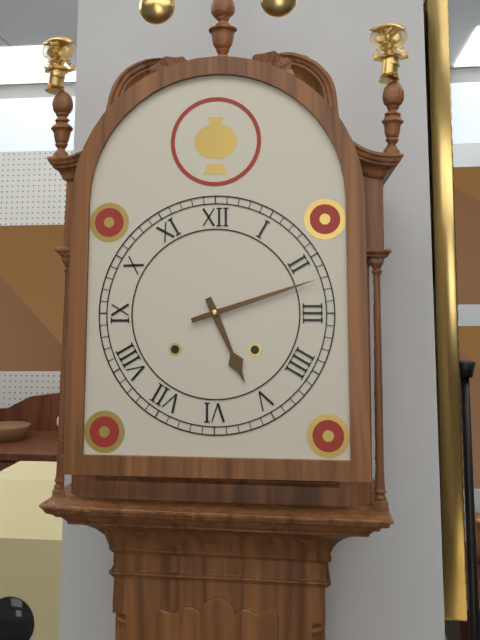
5.12
